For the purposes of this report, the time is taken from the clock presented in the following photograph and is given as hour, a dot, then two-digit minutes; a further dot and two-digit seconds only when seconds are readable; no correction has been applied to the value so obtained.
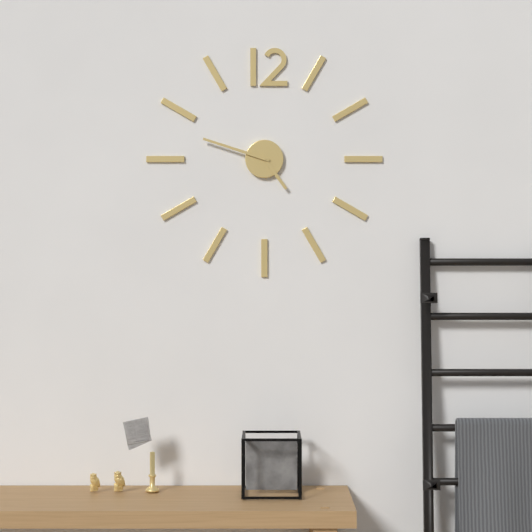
4.48
